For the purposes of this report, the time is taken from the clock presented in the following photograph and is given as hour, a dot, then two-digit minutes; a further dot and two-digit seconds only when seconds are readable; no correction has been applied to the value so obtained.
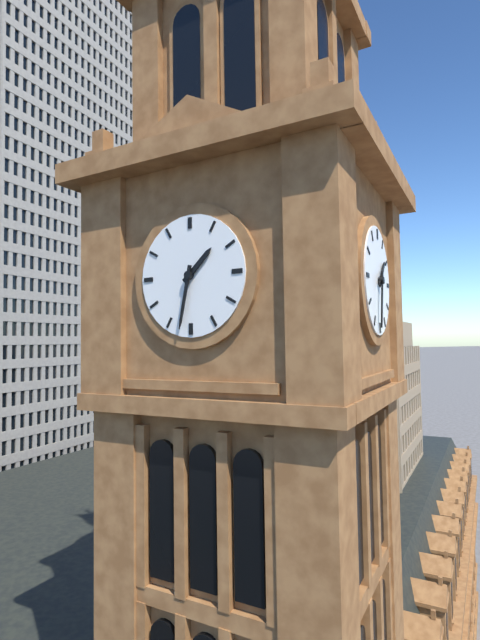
1.32
